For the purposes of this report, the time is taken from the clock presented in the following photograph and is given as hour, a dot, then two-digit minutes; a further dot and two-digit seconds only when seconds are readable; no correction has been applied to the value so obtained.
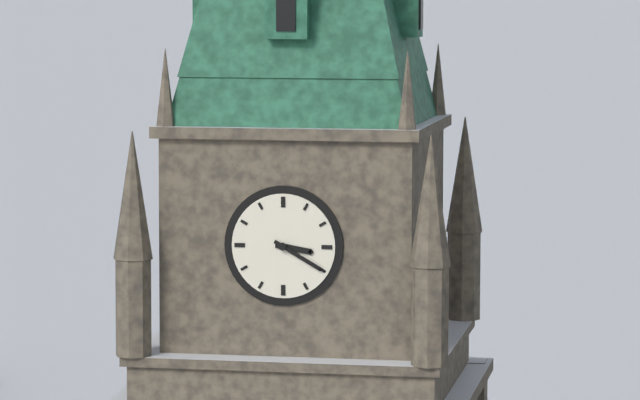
3.20
